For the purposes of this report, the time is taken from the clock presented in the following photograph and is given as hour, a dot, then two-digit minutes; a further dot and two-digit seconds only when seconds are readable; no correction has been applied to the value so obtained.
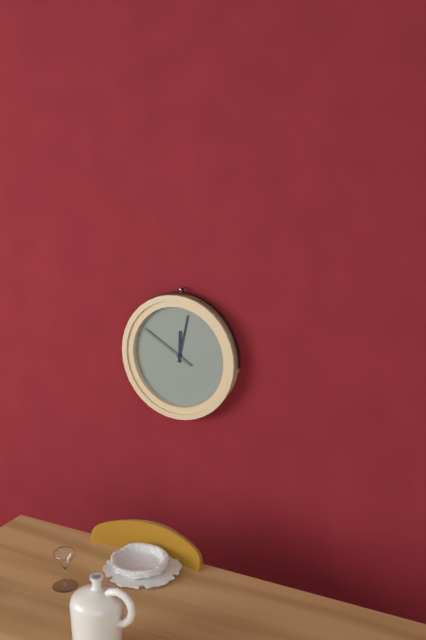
12.02.50
